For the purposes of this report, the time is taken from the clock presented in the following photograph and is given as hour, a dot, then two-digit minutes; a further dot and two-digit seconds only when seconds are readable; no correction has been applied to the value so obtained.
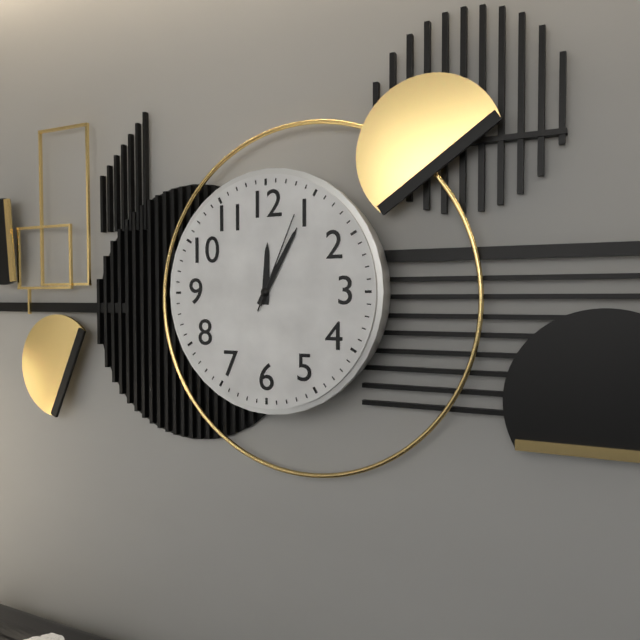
12.05.04
